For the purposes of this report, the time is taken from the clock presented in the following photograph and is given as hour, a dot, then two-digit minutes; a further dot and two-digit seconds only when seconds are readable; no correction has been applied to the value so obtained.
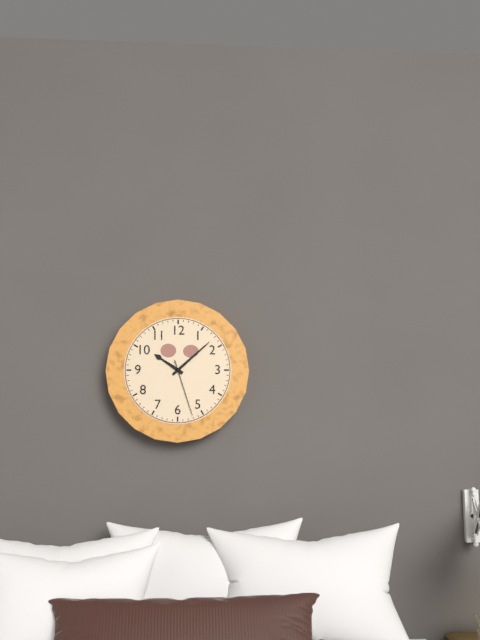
10.08.27
